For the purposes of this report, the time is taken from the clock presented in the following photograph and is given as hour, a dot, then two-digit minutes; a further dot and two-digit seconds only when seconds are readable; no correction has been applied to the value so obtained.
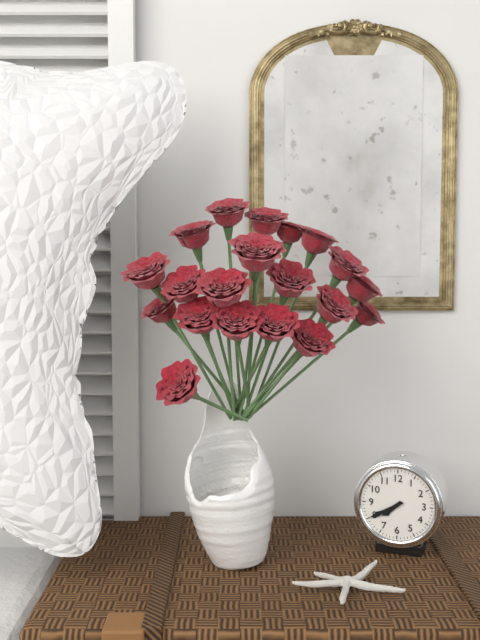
7.40
